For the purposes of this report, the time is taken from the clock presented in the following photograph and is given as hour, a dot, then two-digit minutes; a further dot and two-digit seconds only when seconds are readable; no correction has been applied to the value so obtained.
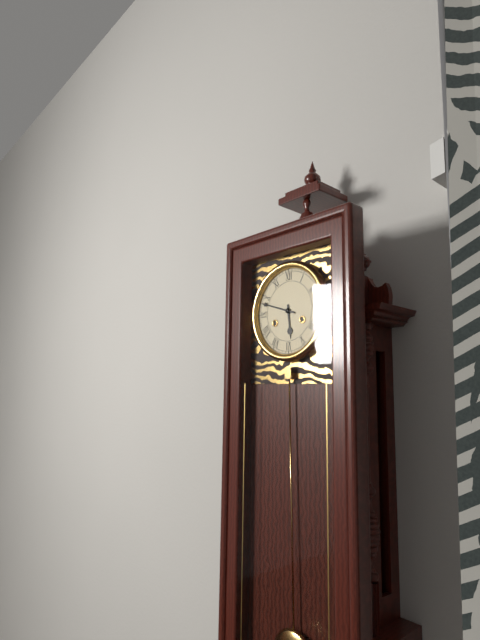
5.48
